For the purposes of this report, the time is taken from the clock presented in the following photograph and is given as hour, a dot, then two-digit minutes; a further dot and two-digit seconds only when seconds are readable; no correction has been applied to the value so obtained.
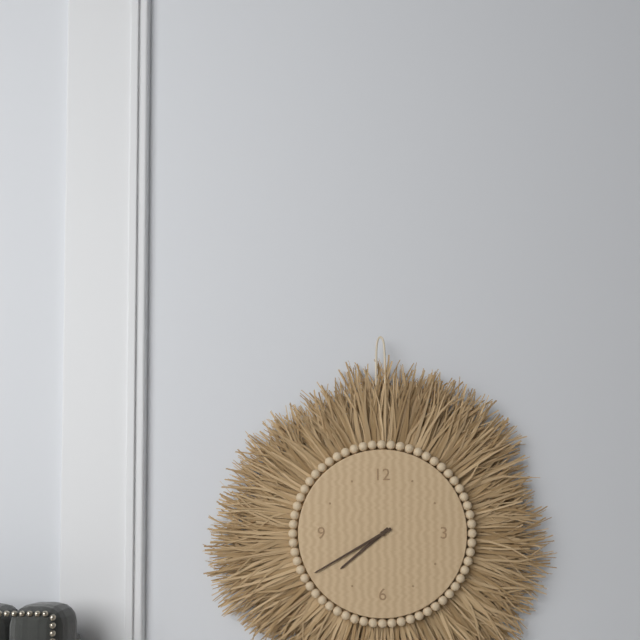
7.40
